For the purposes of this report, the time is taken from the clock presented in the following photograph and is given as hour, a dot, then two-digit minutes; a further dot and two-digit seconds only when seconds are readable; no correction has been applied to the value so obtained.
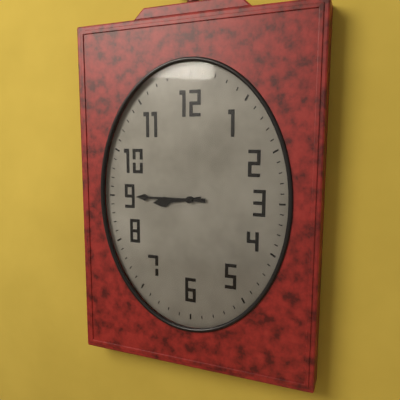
8.45
